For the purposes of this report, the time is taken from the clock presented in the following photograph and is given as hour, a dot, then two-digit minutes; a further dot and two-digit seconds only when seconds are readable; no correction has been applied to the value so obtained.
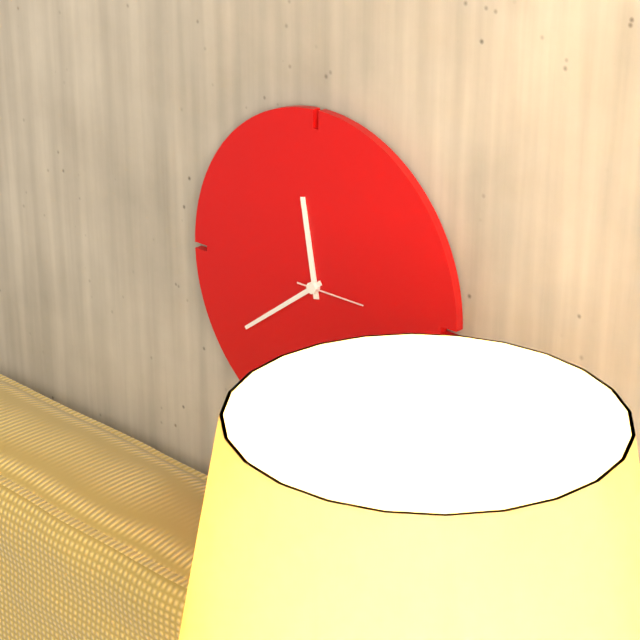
11.39.15
